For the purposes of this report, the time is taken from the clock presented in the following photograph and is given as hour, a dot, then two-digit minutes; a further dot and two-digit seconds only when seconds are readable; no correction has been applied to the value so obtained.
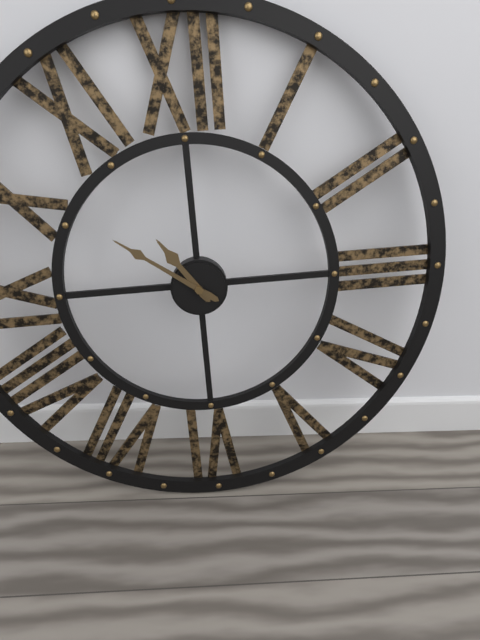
10.51
